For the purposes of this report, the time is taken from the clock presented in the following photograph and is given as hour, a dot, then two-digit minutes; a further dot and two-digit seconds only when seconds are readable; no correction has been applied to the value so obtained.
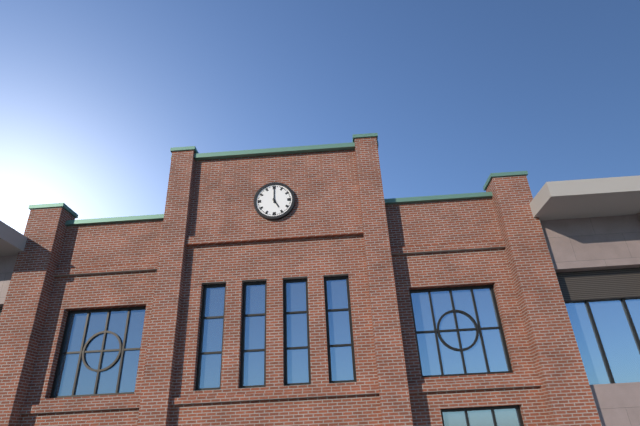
5.00
